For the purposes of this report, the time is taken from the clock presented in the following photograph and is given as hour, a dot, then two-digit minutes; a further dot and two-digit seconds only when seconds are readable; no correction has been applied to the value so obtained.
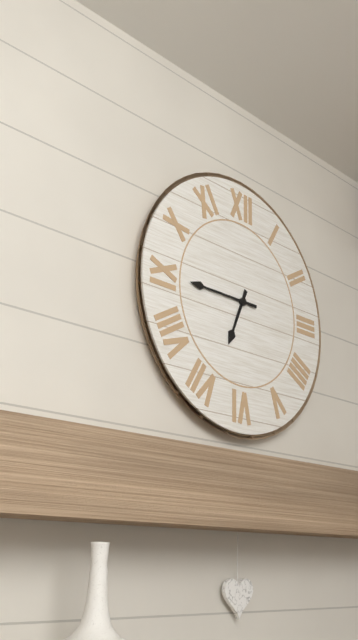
6.45
